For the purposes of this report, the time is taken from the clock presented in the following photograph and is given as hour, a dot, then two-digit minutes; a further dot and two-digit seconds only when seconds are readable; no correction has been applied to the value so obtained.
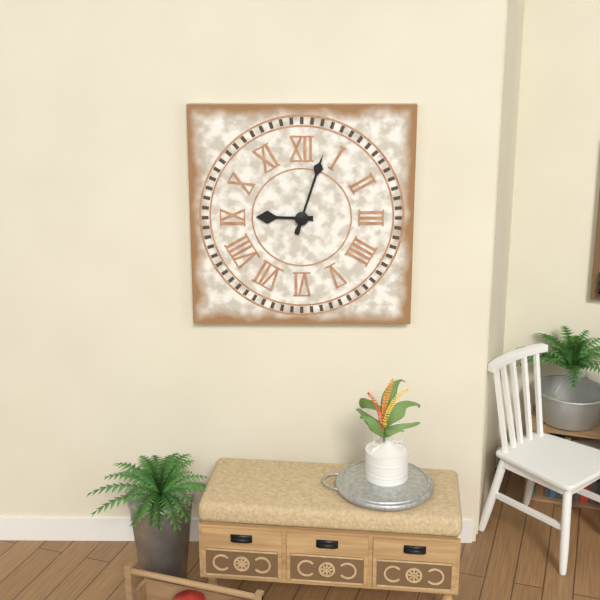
9.03
